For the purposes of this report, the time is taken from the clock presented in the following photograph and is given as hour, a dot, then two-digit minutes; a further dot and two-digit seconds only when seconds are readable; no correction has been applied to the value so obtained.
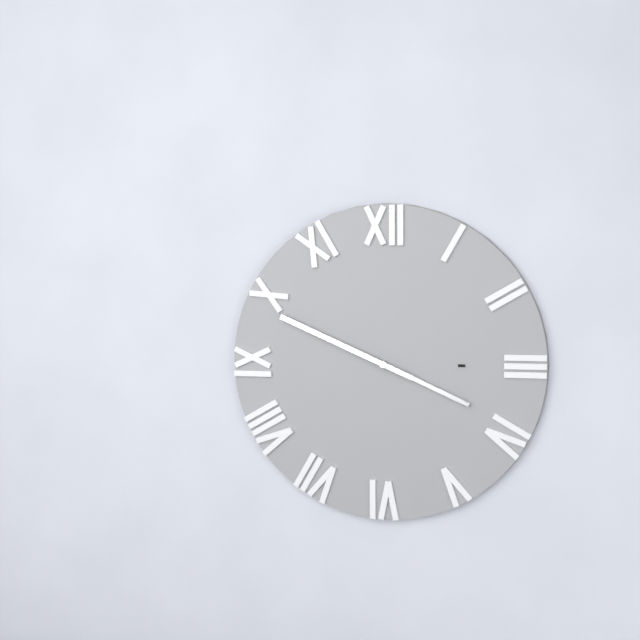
3.49
